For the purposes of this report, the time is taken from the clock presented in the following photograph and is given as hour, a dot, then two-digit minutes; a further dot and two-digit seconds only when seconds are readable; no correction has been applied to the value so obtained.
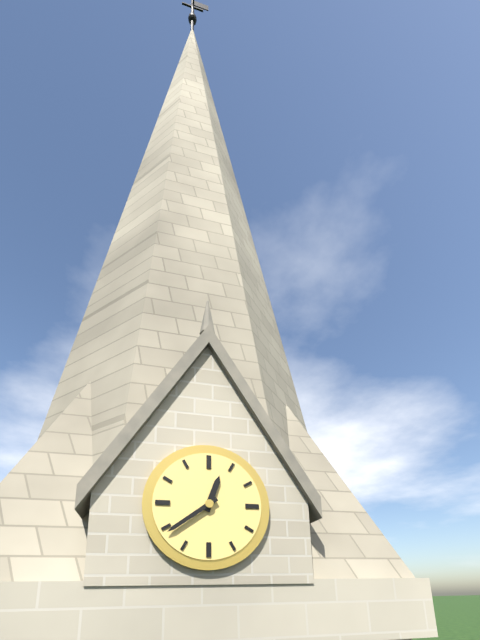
12.39
